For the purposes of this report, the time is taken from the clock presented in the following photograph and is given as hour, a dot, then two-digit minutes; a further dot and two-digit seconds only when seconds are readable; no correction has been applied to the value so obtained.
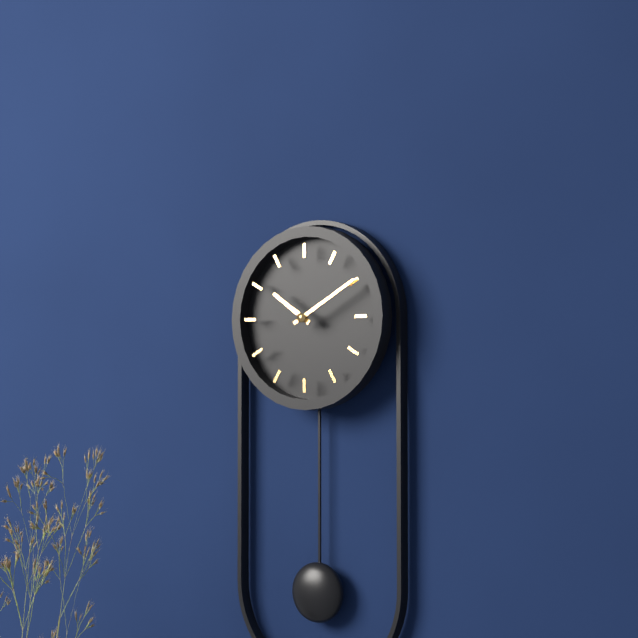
10.10
